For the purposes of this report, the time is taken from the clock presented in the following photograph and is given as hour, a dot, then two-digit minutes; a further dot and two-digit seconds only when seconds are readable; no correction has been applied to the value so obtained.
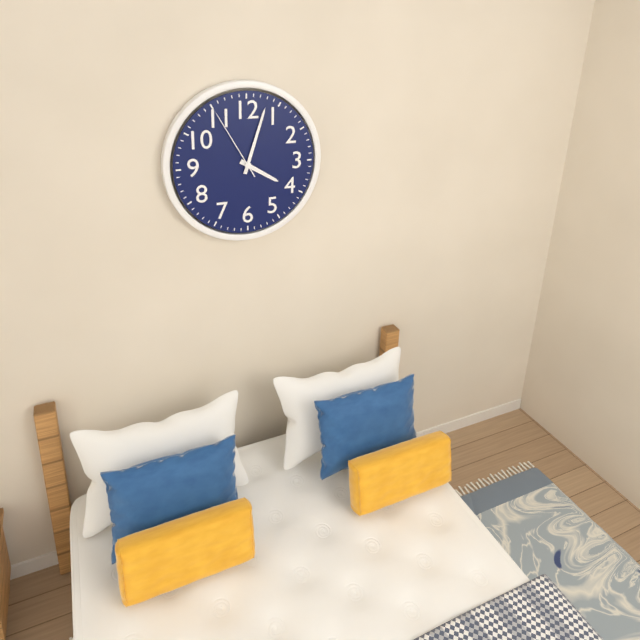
4.03.55
